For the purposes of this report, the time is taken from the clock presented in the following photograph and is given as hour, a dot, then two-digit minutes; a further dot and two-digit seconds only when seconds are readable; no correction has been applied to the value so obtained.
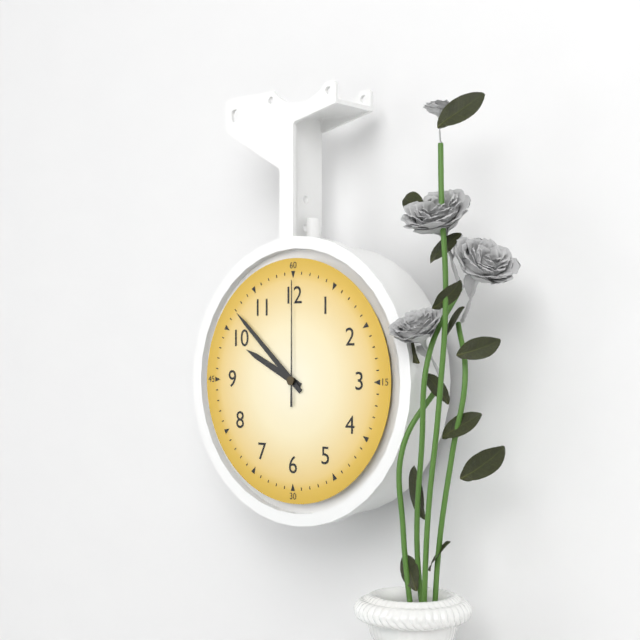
9.52.00
